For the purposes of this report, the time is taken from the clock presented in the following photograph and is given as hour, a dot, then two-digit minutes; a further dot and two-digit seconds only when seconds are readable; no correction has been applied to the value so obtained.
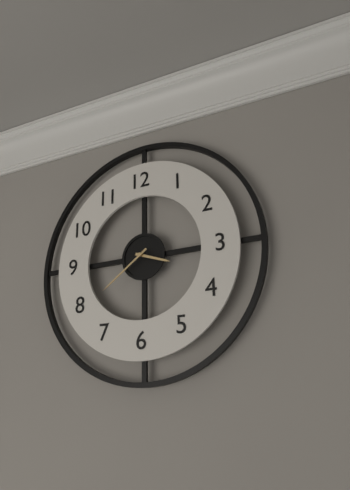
3.39
